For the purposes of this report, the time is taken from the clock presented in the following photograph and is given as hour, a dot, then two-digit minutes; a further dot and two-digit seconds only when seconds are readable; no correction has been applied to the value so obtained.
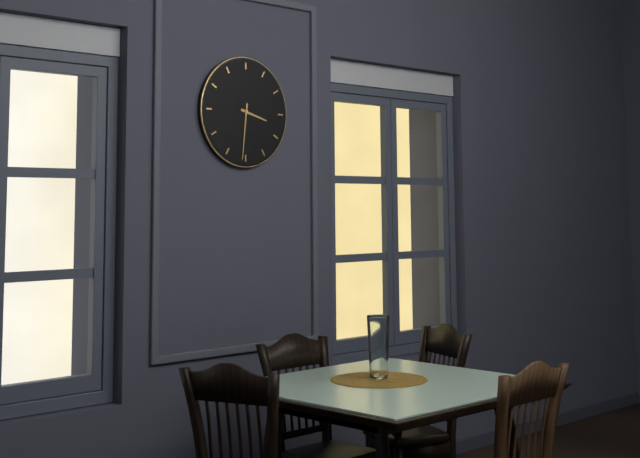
3.31
